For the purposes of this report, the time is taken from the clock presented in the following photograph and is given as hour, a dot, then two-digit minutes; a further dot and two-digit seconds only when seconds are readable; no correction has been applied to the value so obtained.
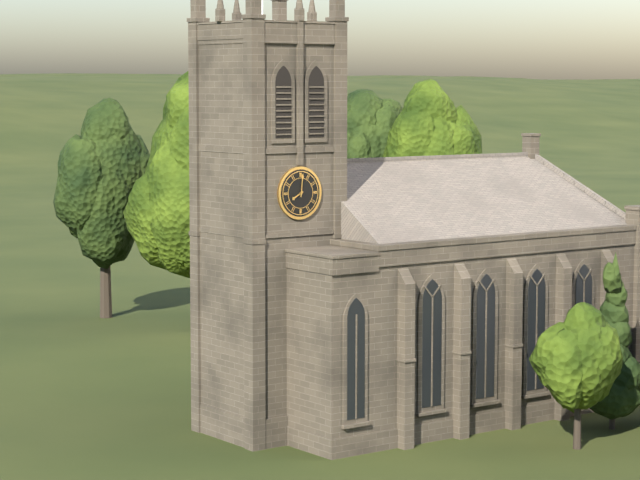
8.01
